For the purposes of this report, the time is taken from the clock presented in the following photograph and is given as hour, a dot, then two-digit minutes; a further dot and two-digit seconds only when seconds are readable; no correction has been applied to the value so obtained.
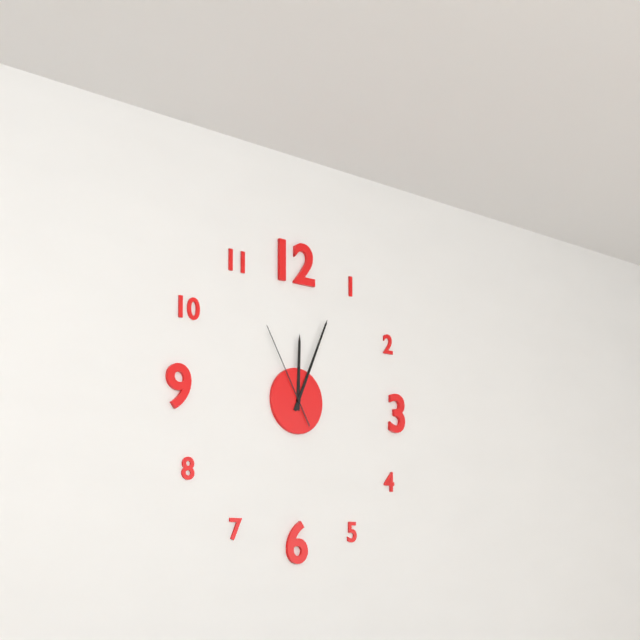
12.04.55
